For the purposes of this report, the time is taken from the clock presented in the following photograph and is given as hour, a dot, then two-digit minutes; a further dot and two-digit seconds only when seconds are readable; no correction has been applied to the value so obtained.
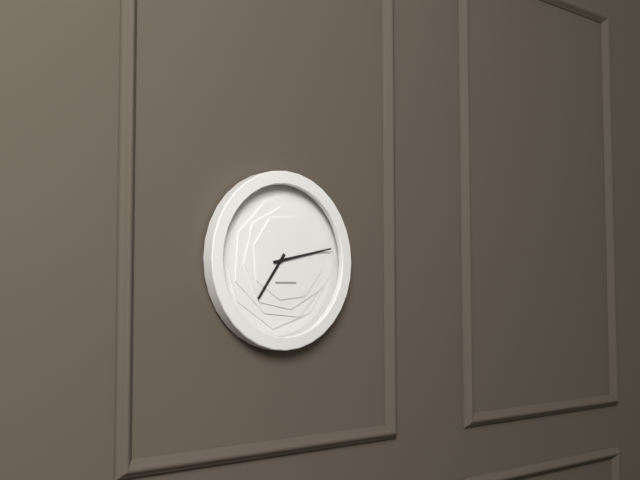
7.13
